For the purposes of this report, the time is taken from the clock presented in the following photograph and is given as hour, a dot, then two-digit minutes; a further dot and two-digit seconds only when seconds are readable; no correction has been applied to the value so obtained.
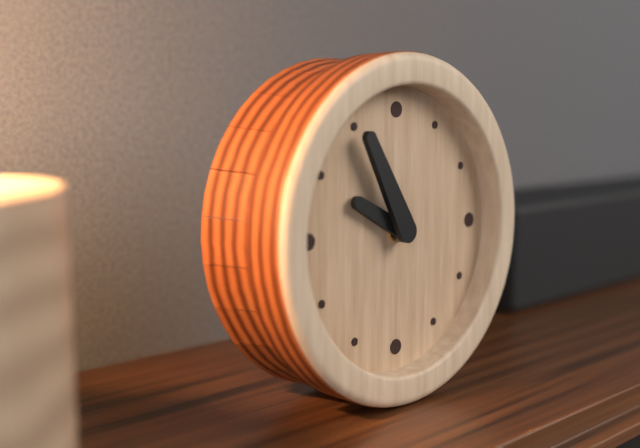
9.55
